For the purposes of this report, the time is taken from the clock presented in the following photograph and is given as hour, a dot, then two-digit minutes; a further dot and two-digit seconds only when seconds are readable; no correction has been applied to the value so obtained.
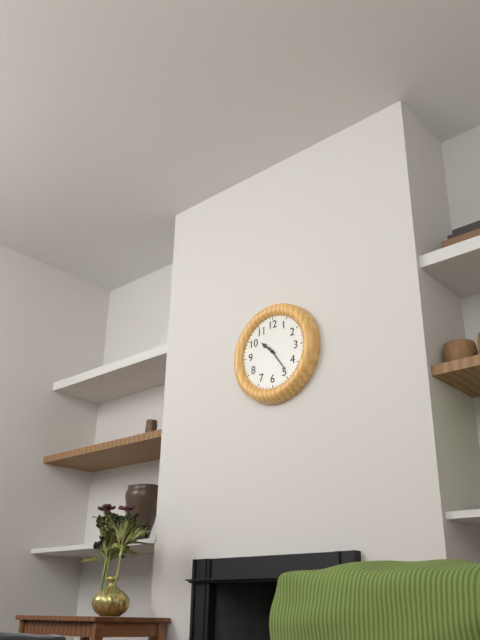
10.24
